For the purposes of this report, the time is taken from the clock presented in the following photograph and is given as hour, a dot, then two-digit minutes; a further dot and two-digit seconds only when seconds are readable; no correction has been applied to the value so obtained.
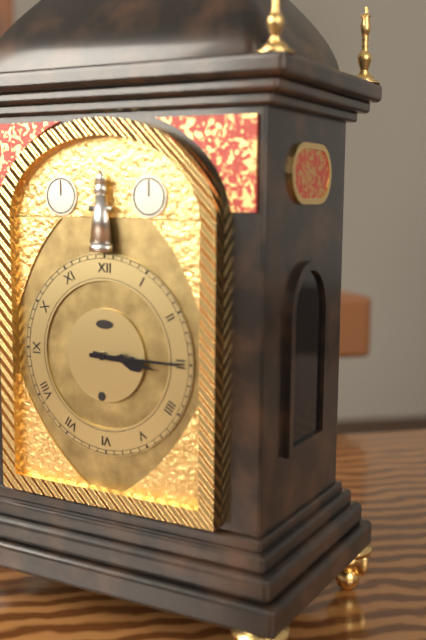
3.15
